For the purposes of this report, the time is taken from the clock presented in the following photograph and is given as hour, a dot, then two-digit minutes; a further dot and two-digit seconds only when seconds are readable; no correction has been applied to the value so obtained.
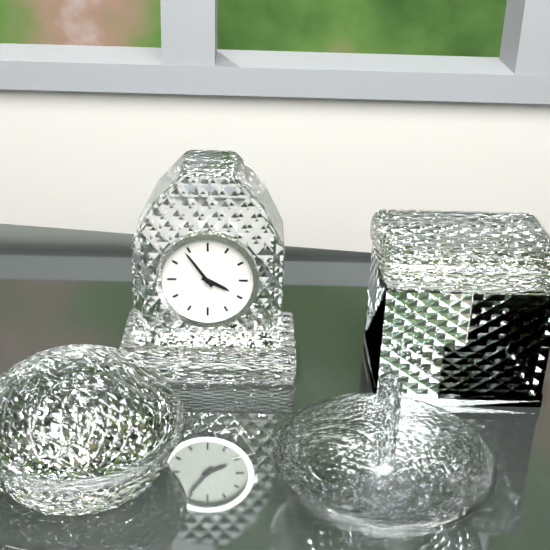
3.54
